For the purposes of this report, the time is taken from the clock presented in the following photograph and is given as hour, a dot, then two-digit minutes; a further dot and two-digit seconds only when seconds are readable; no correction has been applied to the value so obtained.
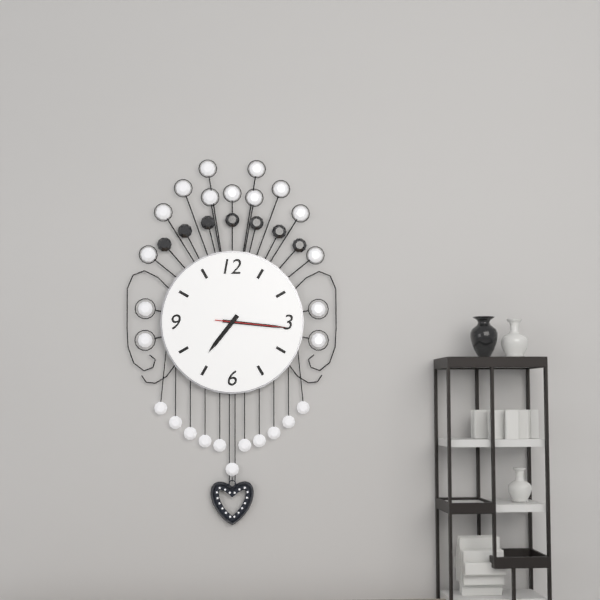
7.16.16
